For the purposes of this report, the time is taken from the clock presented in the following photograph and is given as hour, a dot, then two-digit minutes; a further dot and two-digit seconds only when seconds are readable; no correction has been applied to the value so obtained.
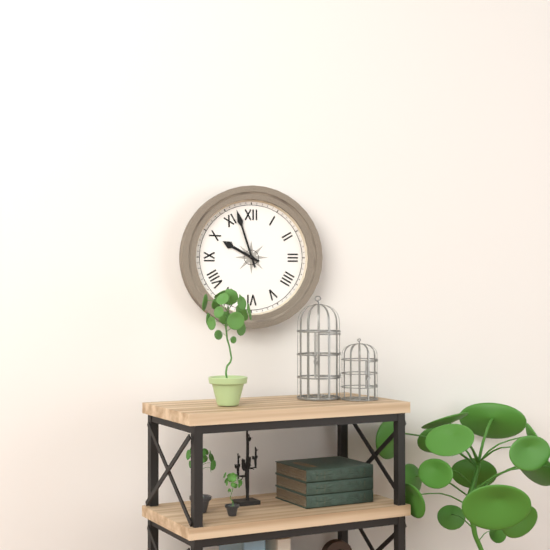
9.57
